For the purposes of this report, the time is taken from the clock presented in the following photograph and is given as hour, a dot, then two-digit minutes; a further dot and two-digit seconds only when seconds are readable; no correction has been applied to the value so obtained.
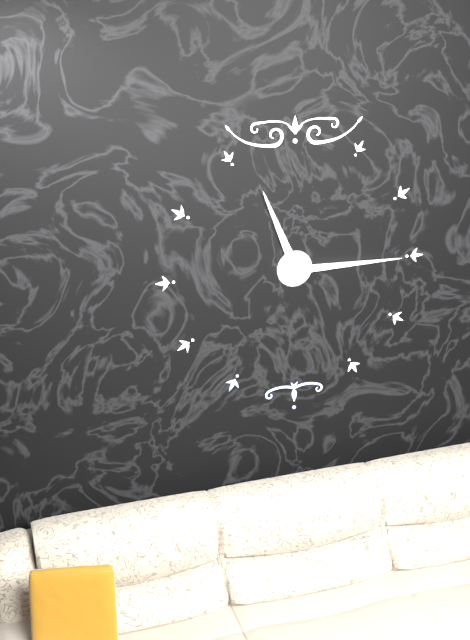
11.15
